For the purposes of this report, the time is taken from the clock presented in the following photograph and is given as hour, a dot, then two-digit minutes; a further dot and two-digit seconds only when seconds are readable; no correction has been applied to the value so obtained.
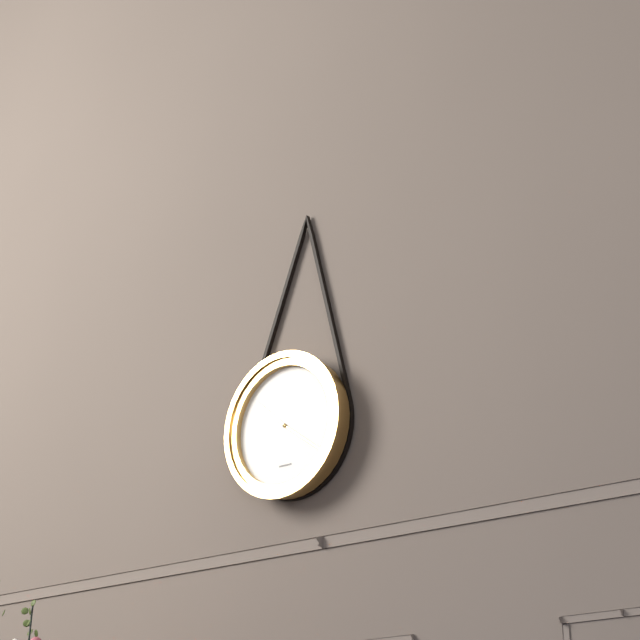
10.21
